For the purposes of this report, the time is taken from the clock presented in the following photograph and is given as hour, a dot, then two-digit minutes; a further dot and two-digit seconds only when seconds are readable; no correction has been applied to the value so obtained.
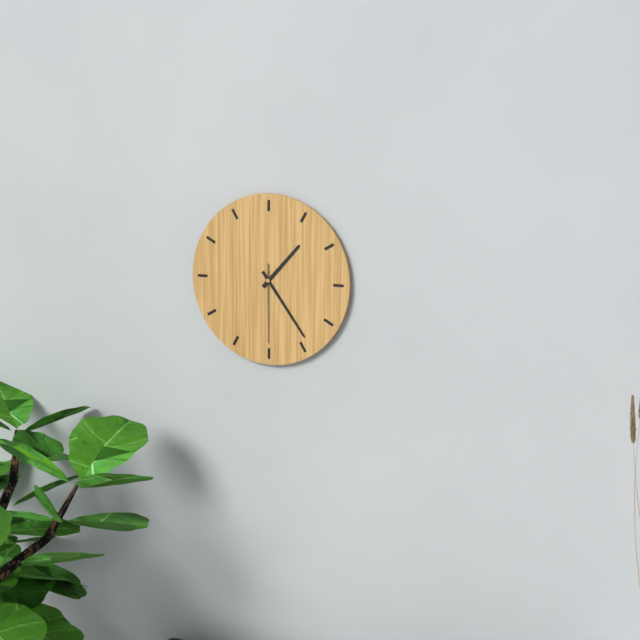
1.24.30
